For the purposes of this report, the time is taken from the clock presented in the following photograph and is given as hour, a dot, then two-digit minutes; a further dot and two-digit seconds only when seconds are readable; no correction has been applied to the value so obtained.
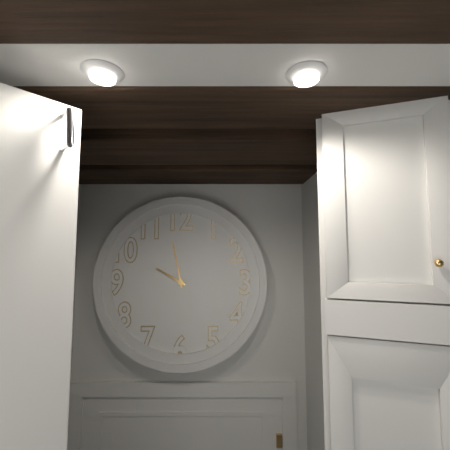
9.58
